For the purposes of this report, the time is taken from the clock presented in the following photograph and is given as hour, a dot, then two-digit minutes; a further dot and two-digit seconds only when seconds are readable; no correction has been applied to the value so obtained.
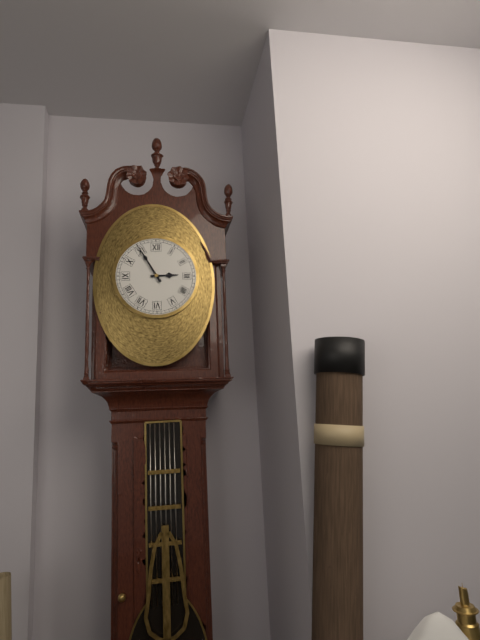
2.55
